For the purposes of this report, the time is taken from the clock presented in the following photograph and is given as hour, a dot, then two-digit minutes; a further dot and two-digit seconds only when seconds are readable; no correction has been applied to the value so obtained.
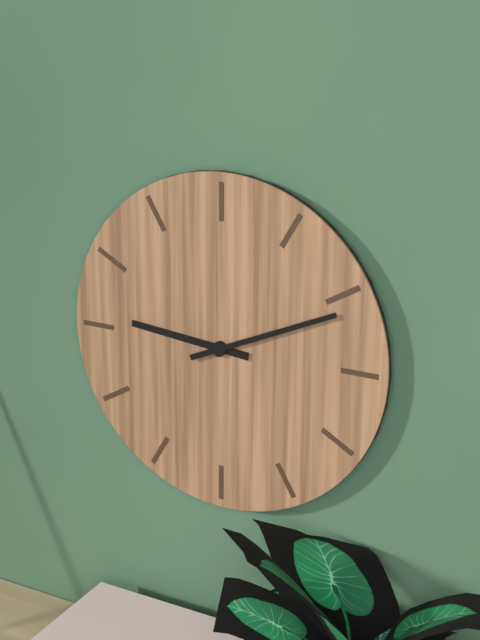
9.11
